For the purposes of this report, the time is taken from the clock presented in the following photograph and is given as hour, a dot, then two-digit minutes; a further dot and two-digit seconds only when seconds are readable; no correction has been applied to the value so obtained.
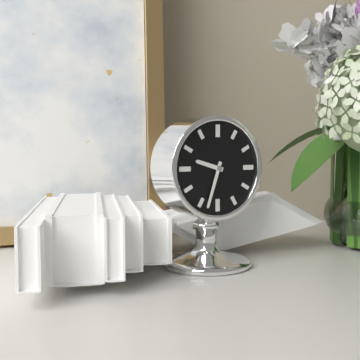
9.33
